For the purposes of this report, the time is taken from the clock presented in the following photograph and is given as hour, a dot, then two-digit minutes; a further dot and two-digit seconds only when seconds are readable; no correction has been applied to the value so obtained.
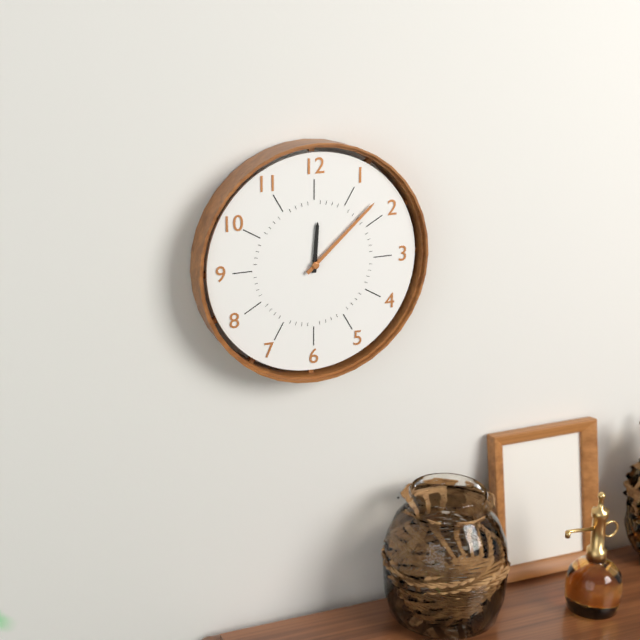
12.08
